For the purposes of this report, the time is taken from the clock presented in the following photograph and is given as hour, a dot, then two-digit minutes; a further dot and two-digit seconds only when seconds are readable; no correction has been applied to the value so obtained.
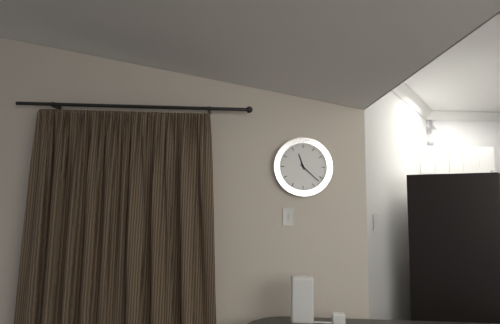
11.22
